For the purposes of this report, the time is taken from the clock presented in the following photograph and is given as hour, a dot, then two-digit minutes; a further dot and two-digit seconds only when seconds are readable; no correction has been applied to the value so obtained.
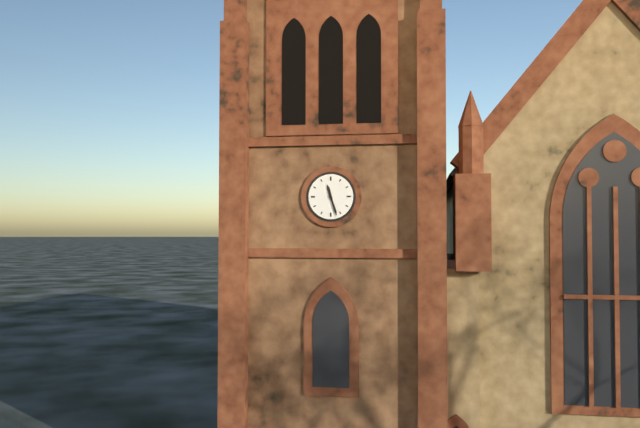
11.27
